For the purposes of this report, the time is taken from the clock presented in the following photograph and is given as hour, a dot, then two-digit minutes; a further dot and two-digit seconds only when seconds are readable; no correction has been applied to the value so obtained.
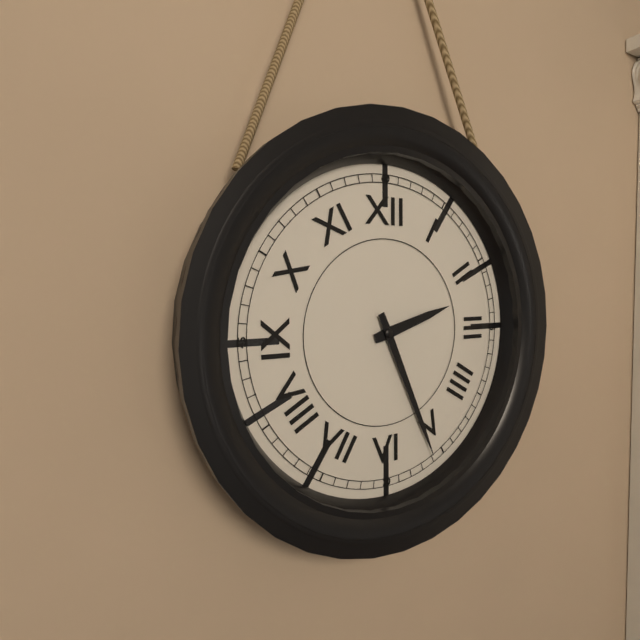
2.26
